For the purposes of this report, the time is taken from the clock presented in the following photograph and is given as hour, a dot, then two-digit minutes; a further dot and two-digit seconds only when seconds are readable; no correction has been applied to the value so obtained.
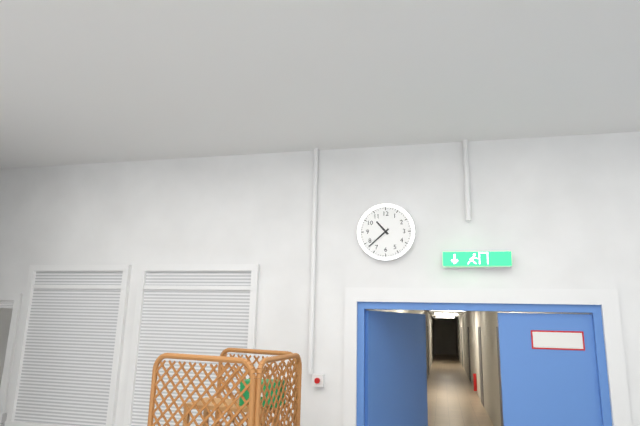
10.38
